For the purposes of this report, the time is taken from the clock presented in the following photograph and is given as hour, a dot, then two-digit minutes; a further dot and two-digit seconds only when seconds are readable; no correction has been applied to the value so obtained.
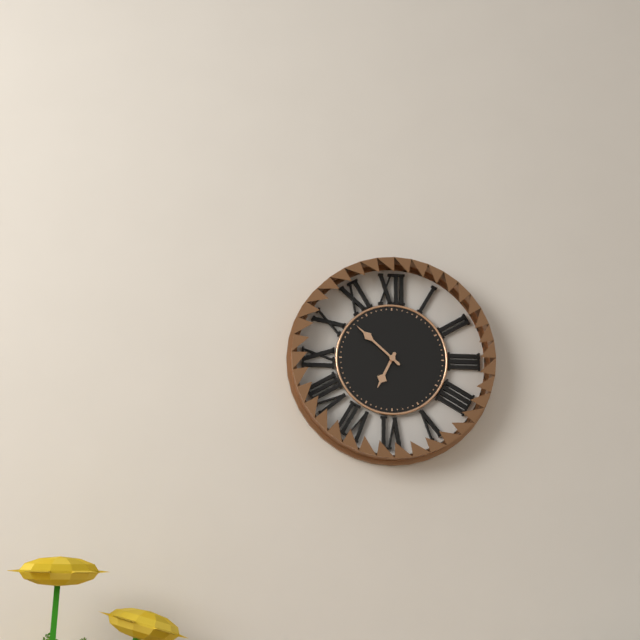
6.52
